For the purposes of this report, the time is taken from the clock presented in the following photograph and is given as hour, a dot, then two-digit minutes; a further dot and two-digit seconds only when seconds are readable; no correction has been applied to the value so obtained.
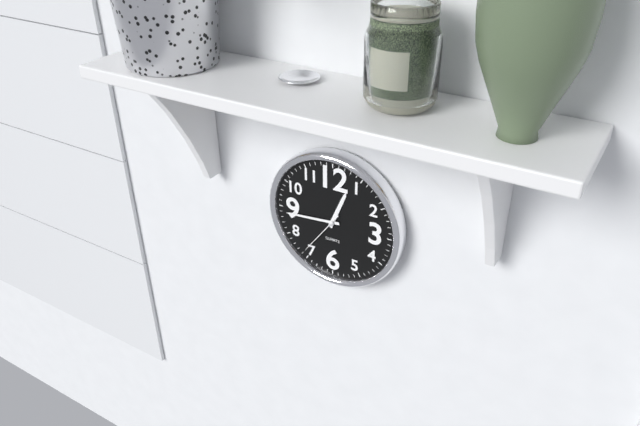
12.44
